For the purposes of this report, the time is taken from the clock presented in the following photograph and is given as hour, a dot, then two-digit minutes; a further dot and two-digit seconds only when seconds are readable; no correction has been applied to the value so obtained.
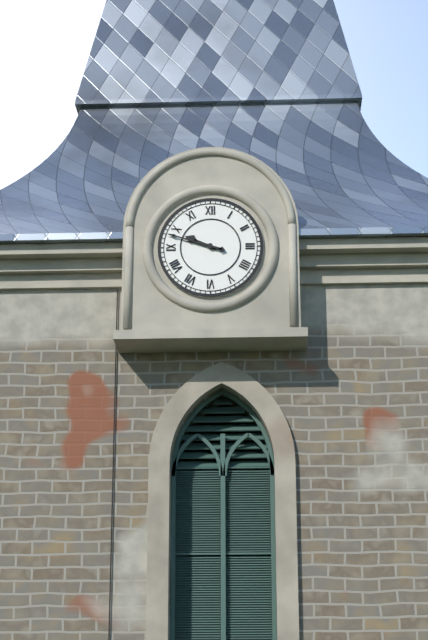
9.48
